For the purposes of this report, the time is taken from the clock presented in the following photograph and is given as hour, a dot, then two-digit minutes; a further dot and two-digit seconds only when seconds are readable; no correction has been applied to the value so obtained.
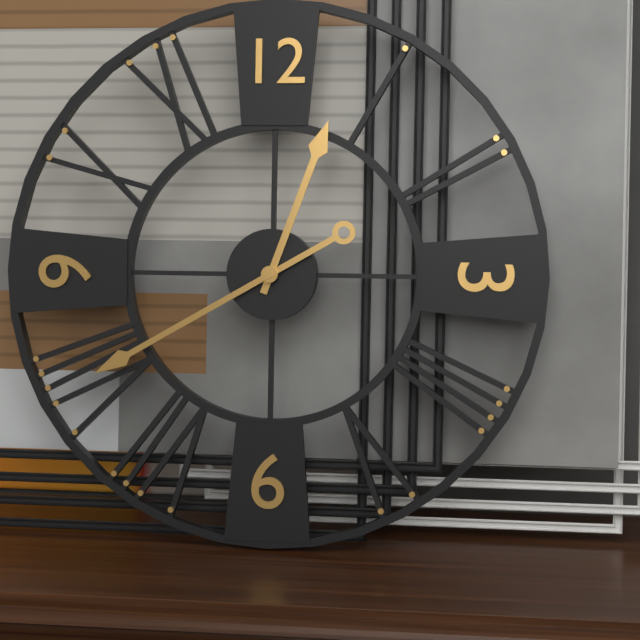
12.40
